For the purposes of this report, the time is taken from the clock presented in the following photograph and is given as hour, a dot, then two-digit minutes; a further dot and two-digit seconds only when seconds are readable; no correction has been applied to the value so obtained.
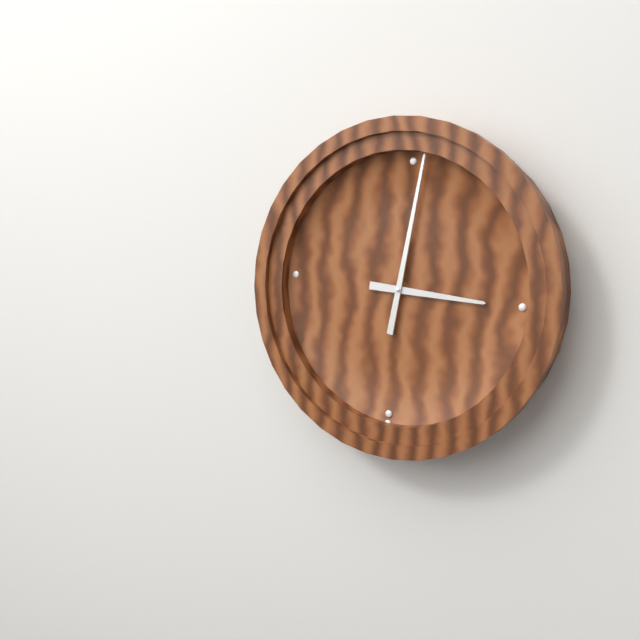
3.01
